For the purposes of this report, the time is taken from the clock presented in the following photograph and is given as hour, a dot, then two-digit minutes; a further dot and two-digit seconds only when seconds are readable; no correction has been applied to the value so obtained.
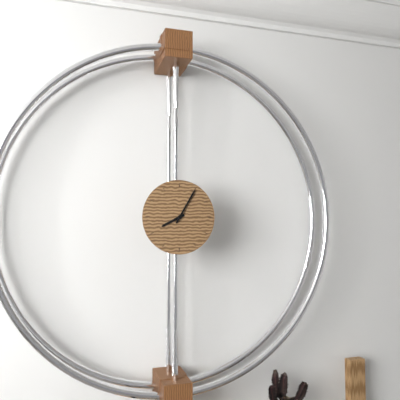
8.05
